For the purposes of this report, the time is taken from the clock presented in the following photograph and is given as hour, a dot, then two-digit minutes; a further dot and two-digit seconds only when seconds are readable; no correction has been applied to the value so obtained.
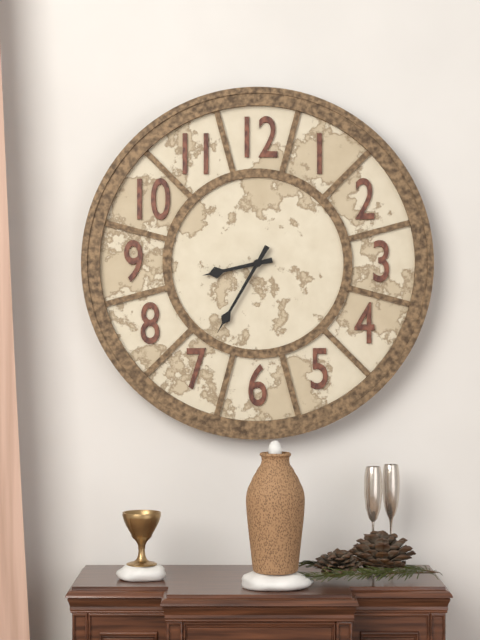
8.35
